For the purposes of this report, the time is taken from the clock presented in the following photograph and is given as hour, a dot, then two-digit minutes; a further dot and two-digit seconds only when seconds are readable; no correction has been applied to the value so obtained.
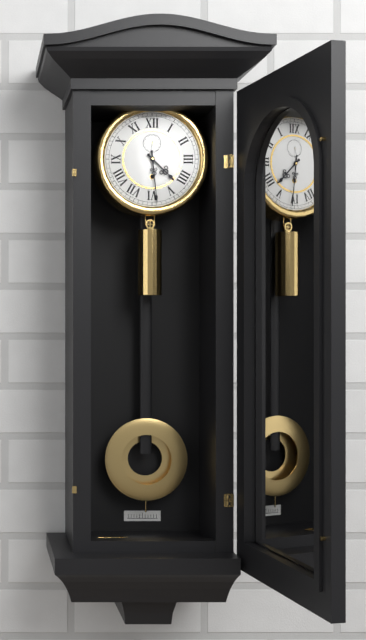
4.29
